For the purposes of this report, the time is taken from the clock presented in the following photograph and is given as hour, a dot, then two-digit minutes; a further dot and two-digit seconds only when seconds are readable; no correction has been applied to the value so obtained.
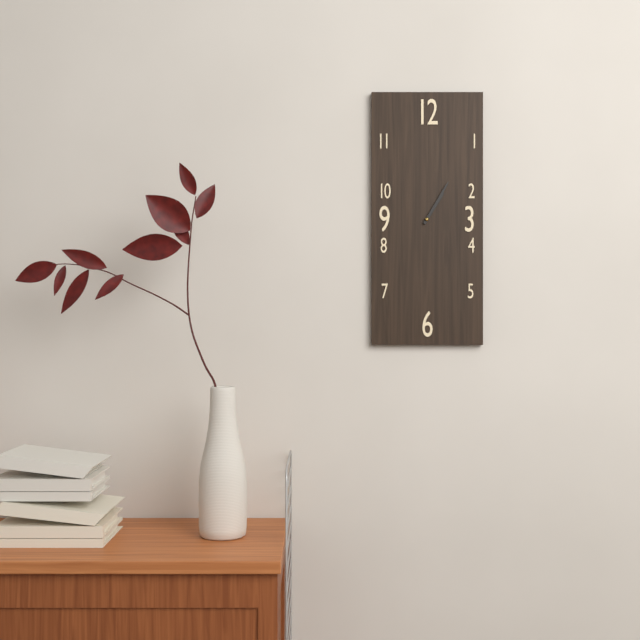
1.05
